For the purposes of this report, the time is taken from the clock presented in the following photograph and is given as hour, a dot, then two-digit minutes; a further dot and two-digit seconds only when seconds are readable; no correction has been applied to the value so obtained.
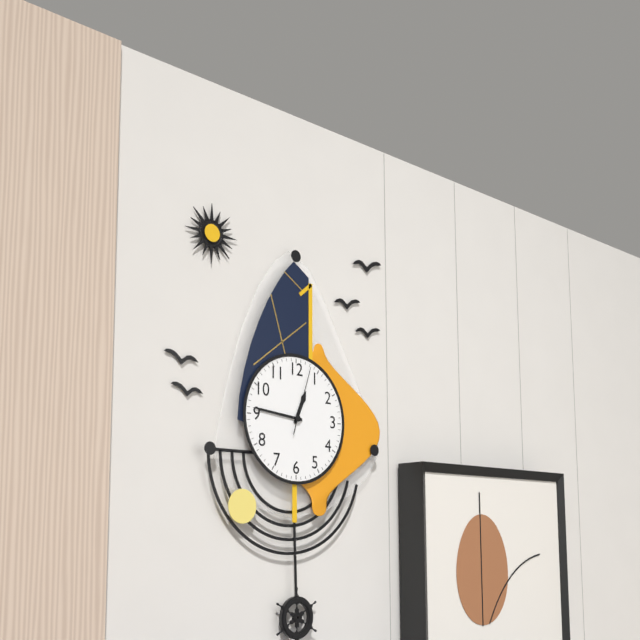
12.46.03
